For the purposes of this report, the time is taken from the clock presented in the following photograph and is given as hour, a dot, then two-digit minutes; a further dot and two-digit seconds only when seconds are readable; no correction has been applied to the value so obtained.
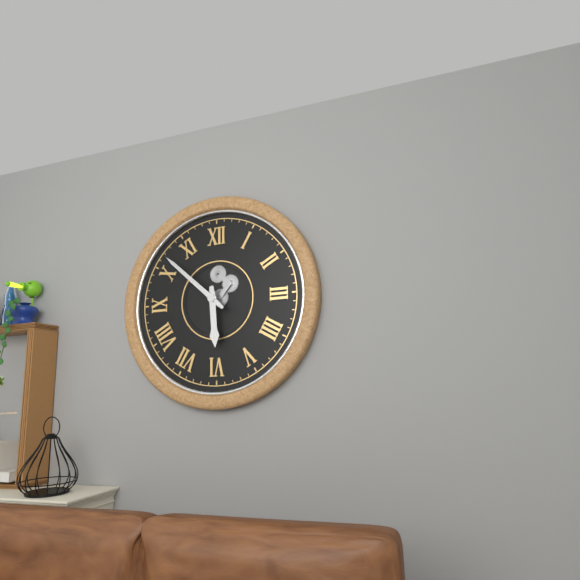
5.52
